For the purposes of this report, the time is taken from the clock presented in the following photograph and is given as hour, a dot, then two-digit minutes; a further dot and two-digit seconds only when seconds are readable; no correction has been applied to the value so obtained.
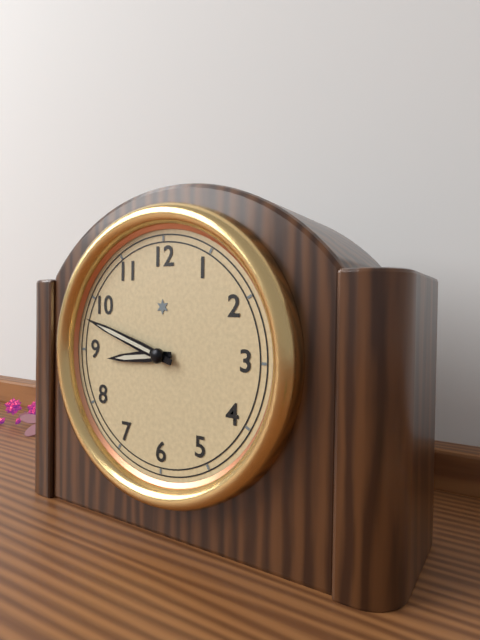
8.48
